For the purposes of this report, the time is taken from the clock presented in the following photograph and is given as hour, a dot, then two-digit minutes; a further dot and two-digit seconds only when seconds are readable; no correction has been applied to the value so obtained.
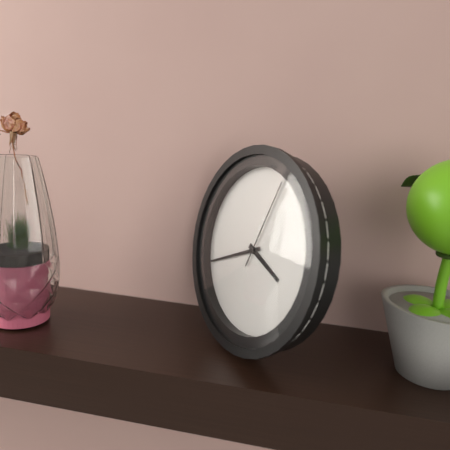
3.41.03
